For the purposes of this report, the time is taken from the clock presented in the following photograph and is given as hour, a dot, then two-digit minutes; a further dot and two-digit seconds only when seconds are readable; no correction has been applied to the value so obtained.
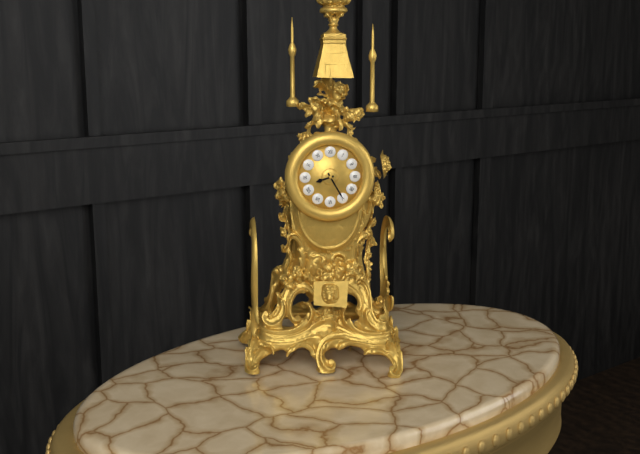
8.25
